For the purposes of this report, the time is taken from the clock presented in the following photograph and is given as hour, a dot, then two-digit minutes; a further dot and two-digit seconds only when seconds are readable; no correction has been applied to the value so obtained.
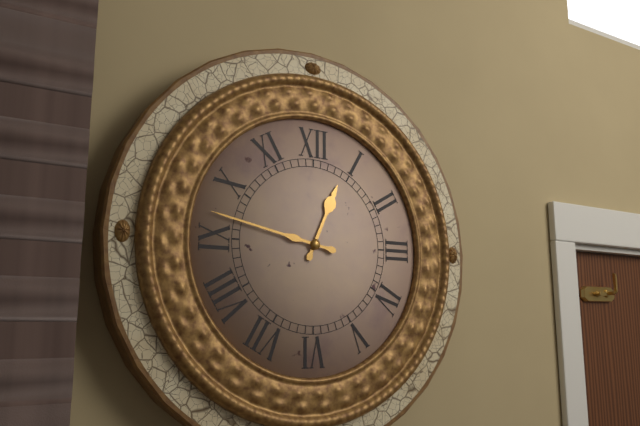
12.47
